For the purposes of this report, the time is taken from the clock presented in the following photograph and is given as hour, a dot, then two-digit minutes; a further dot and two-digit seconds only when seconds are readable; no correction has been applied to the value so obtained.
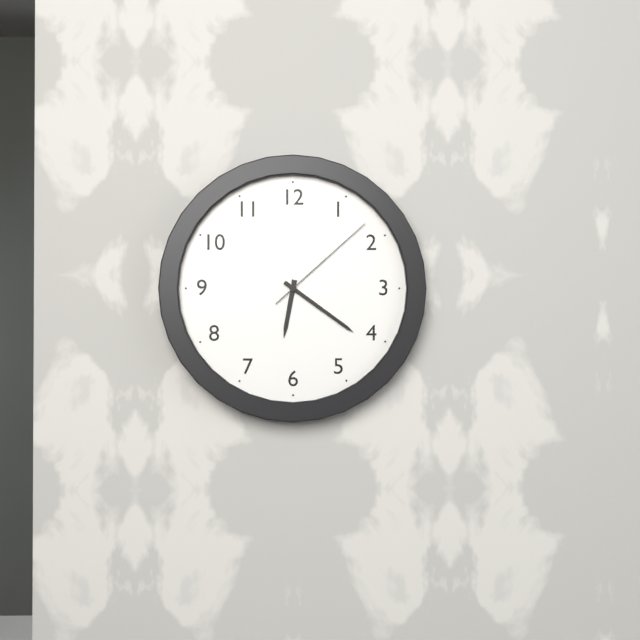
6.21.08
